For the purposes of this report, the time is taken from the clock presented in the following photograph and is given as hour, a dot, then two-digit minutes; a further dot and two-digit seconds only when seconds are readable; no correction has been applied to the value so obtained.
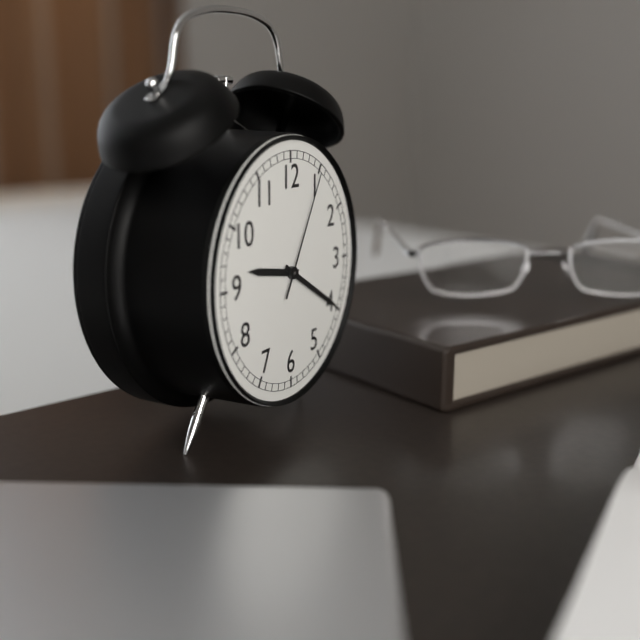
9.20.05
